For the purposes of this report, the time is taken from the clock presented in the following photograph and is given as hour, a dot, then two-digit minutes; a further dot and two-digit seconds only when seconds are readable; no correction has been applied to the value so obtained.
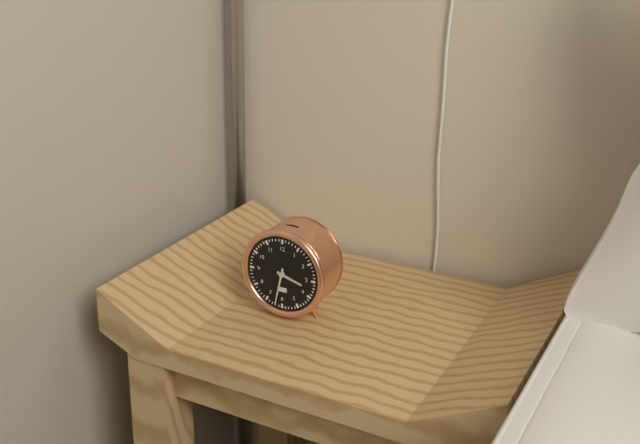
3.32
